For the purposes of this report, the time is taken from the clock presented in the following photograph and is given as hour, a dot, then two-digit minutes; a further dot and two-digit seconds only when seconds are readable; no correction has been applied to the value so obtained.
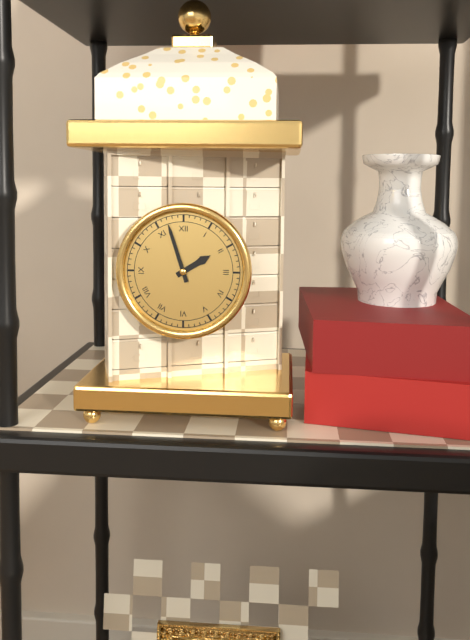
1.57
